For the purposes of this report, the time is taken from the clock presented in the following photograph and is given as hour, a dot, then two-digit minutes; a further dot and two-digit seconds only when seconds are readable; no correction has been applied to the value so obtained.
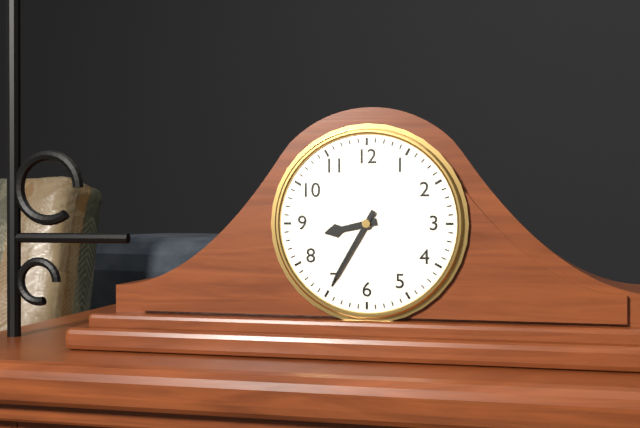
8.35
